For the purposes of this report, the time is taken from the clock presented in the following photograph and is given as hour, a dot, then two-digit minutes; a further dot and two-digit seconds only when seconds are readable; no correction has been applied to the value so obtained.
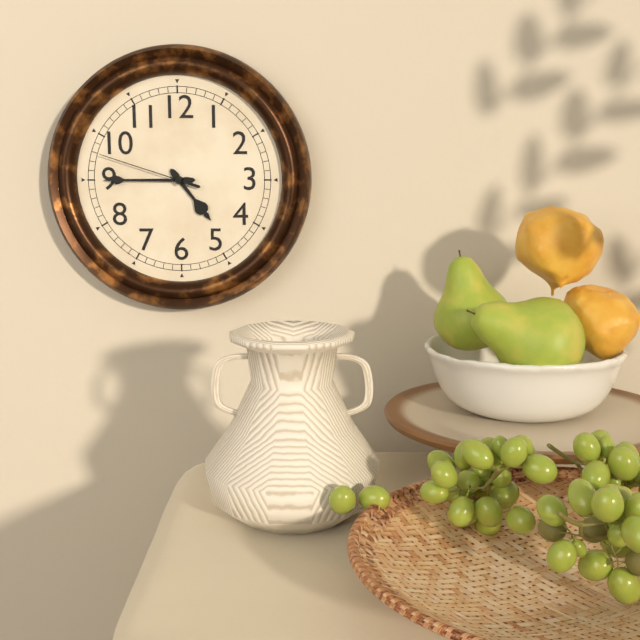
4.45.48
